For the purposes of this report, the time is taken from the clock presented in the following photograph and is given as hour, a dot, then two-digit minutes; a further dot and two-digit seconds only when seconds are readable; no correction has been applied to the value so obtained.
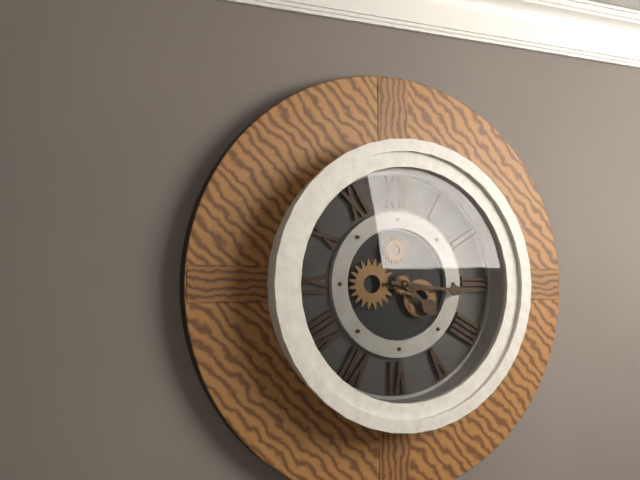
4.16
